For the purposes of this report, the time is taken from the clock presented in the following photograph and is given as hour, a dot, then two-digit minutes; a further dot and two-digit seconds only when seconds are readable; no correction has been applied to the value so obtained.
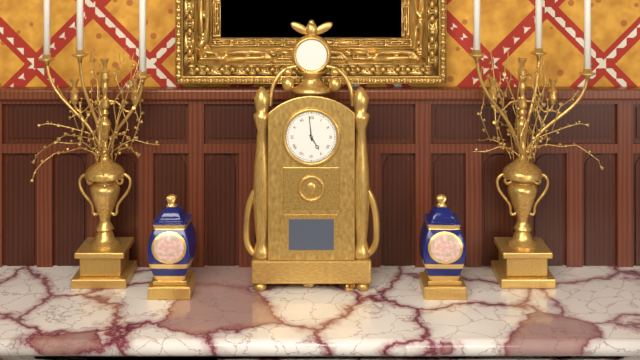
4.59
